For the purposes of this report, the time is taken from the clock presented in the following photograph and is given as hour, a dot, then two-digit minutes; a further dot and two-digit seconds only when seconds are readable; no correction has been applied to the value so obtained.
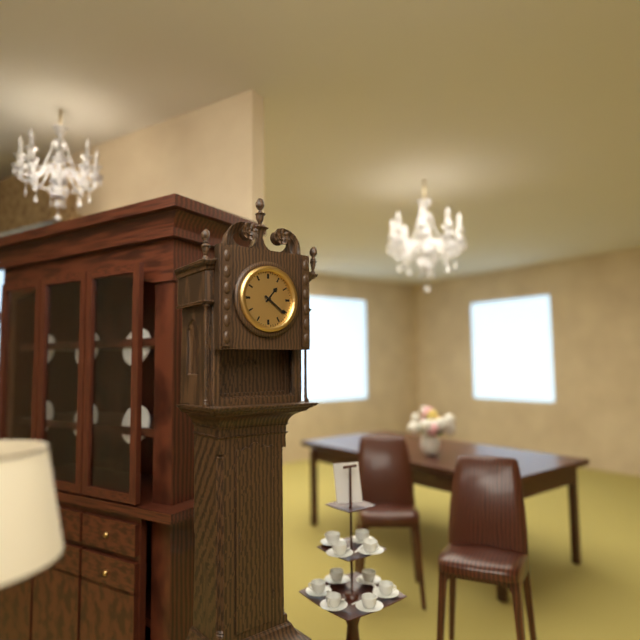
1.21
